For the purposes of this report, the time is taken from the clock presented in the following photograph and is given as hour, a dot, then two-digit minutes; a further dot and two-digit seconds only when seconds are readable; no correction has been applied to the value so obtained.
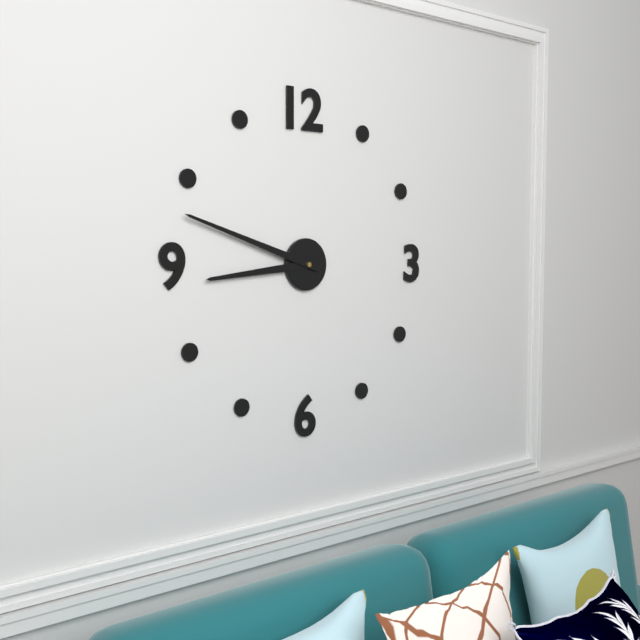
8.48
